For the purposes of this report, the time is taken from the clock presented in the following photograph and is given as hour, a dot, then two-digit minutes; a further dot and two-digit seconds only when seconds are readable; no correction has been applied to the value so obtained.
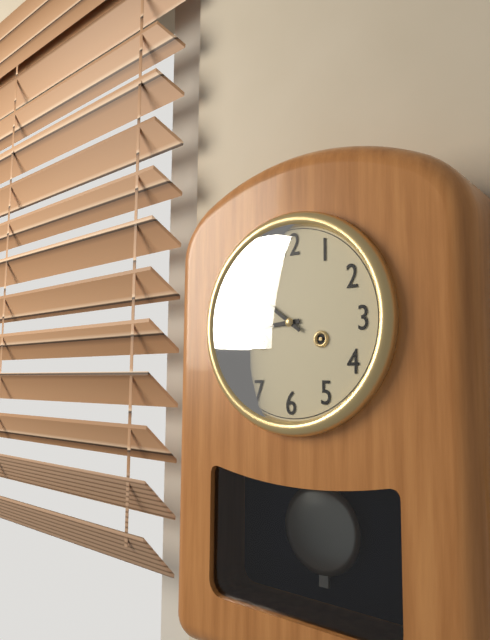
8.51
